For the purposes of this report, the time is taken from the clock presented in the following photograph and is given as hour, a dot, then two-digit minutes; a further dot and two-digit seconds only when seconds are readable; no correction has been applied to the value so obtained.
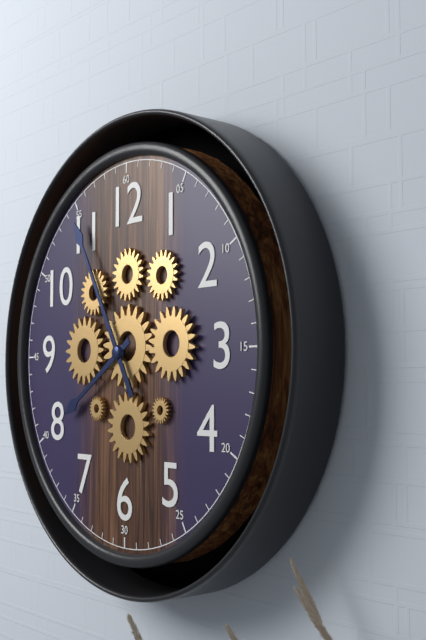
7.55
